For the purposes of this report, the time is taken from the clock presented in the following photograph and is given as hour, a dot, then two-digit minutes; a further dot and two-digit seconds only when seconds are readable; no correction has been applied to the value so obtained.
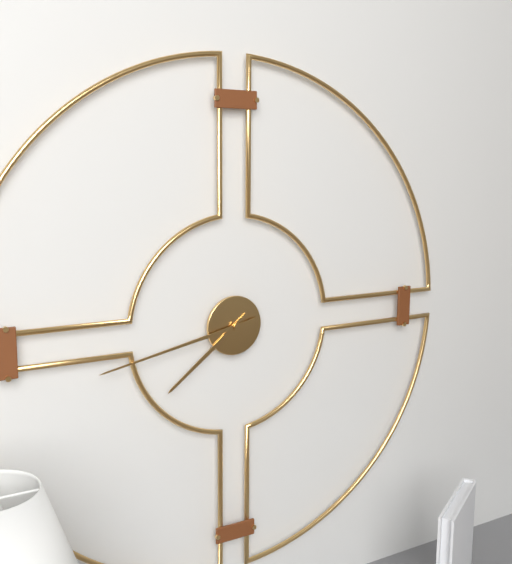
7.43
